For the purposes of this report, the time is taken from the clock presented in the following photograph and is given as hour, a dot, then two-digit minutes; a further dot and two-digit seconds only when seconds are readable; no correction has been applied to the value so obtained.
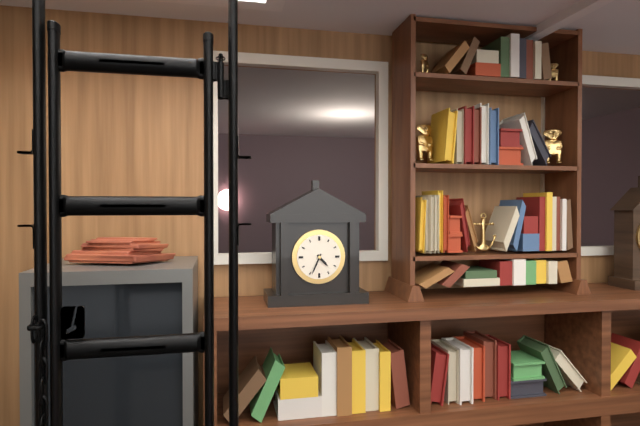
4.34
